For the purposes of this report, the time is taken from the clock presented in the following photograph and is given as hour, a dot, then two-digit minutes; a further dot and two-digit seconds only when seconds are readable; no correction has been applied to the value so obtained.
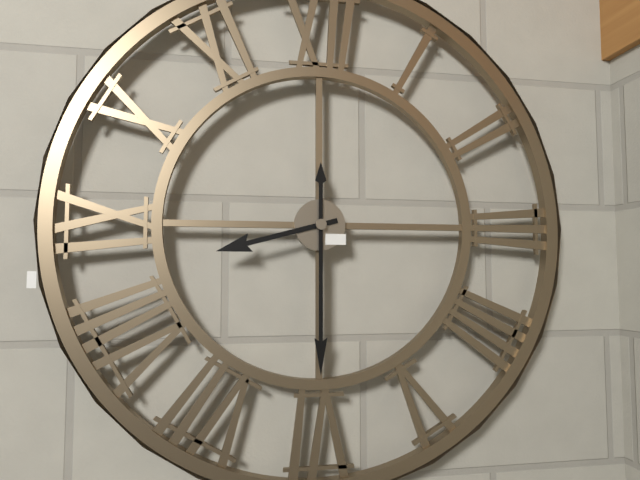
8.30
